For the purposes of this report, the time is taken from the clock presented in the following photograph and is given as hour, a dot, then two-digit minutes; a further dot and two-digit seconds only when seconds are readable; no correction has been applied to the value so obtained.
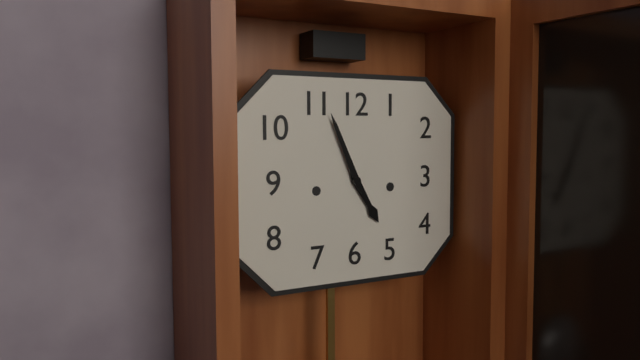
4.56
